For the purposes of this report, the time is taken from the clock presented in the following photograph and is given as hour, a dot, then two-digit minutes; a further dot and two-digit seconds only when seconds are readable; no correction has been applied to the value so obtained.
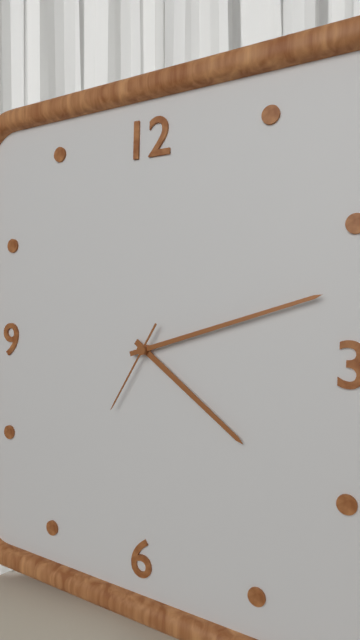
4.12.35
